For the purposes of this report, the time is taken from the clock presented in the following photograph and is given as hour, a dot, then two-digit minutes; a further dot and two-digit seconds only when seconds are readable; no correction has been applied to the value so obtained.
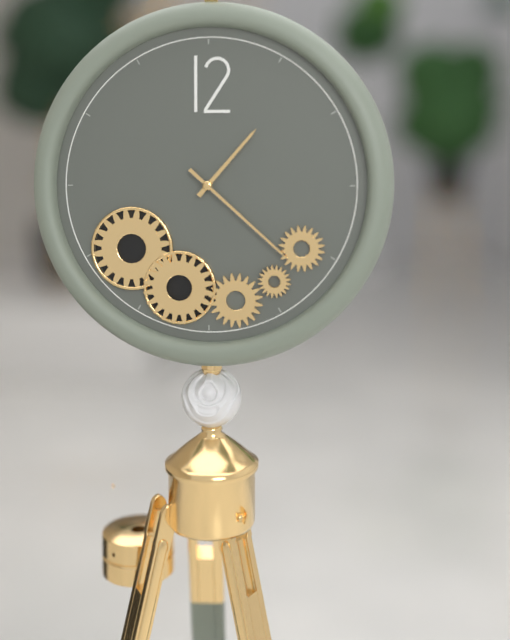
1.22
